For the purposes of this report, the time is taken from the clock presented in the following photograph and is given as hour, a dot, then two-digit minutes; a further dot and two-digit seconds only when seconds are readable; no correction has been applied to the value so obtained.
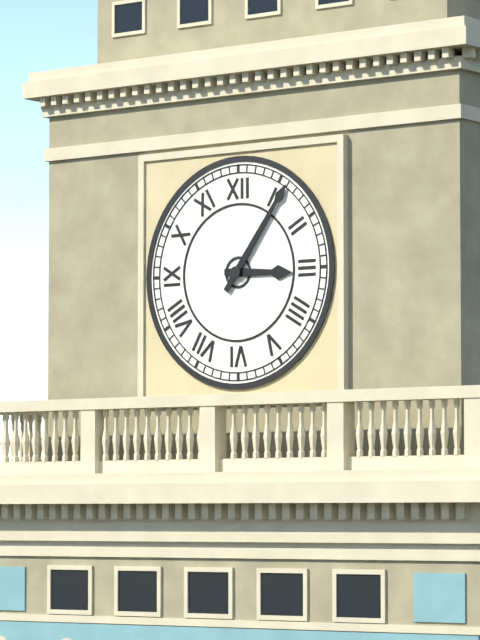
3.06
